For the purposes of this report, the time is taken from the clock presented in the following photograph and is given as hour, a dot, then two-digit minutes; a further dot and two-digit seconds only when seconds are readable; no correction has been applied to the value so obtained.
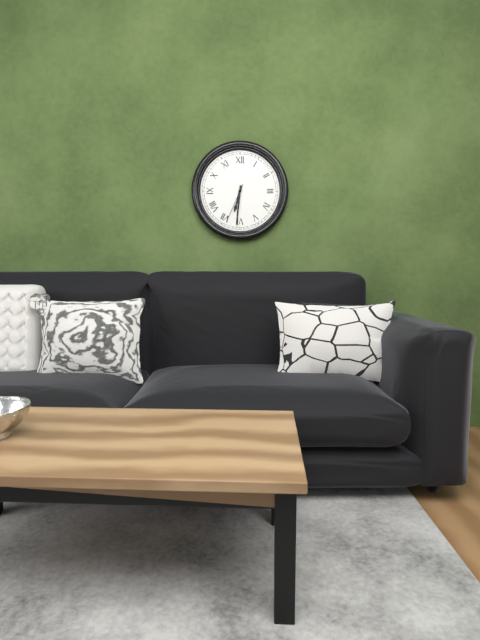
6.31
